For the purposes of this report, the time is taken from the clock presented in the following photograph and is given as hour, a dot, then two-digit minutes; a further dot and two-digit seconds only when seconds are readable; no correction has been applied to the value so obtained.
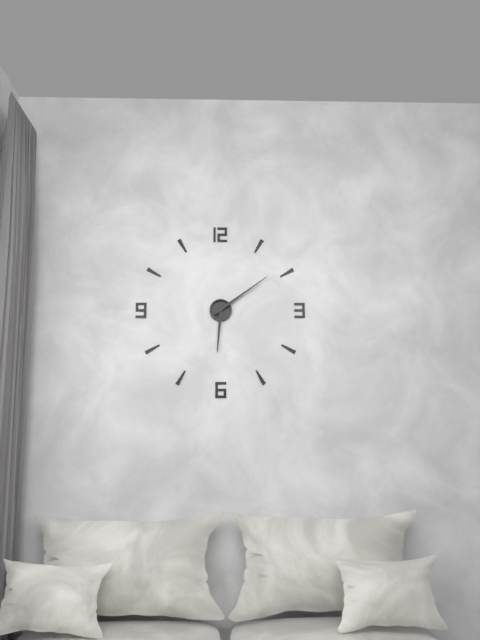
6.09
